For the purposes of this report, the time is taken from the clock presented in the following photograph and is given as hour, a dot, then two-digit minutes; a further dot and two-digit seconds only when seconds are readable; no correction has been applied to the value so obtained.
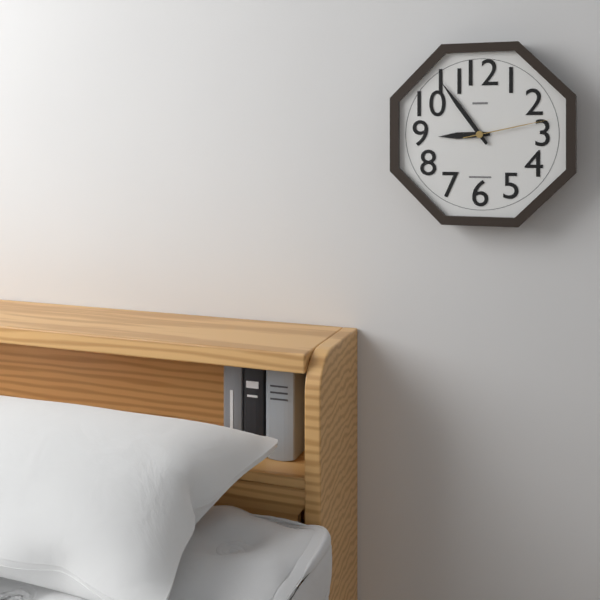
8.54.13
